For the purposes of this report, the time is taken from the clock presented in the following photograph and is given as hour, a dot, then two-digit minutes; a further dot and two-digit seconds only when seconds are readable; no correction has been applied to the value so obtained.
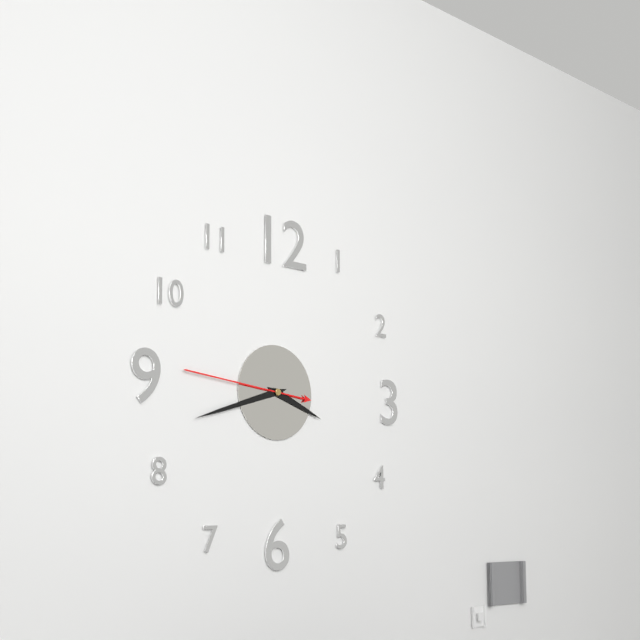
3.42.46
